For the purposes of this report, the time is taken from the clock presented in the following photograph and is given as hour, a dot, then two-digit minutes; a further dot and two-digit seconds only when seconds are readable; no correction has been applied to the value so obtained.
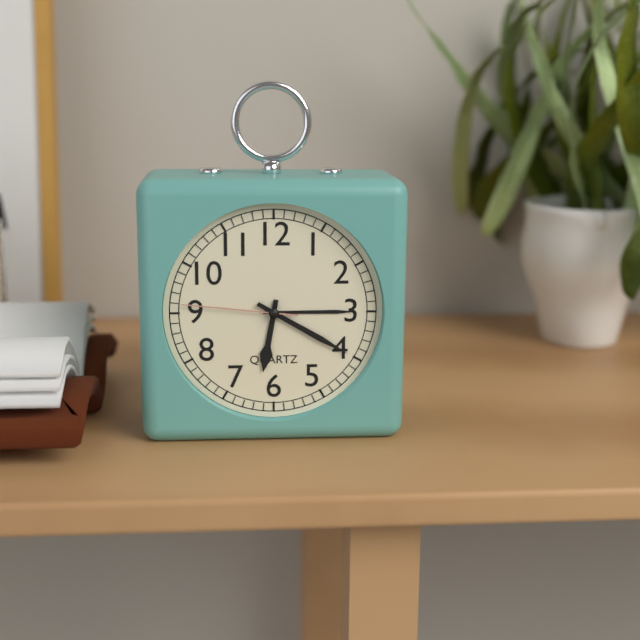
6.20.46
